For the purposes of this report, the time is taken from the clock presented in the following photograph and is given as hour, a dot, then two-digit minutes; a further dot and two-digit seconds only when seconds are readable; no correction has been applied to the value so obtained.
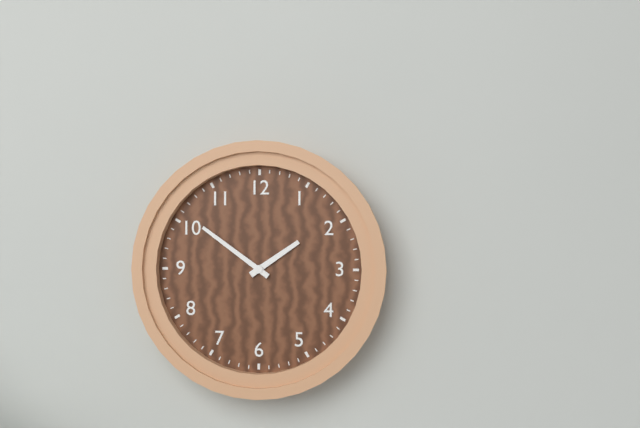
1.51
